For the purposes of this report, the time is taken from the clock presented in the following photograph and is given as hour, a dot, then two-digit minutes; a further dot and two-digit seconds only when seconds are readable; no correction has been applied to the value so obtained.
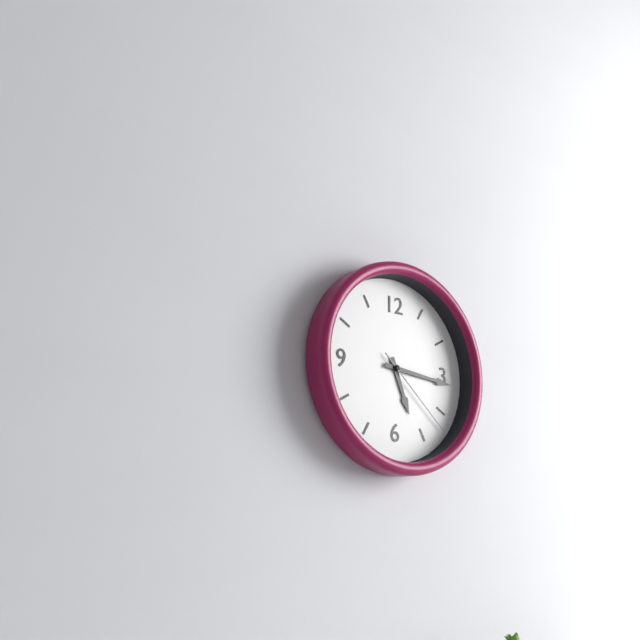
5.16.22
